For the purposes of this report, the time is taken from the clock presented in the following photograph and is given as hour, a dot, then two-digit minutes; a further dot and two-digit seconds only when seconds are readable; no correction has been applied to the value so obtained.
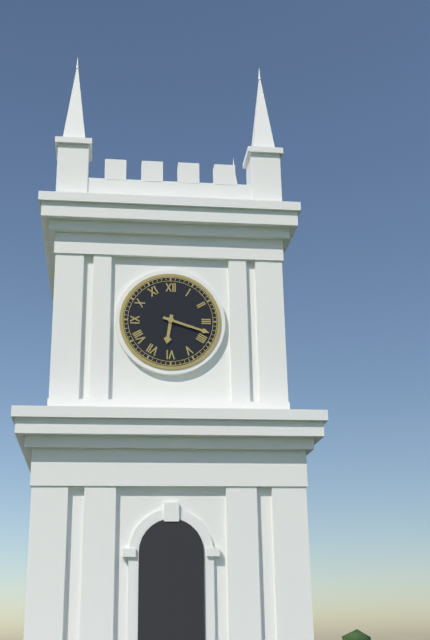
6.18
